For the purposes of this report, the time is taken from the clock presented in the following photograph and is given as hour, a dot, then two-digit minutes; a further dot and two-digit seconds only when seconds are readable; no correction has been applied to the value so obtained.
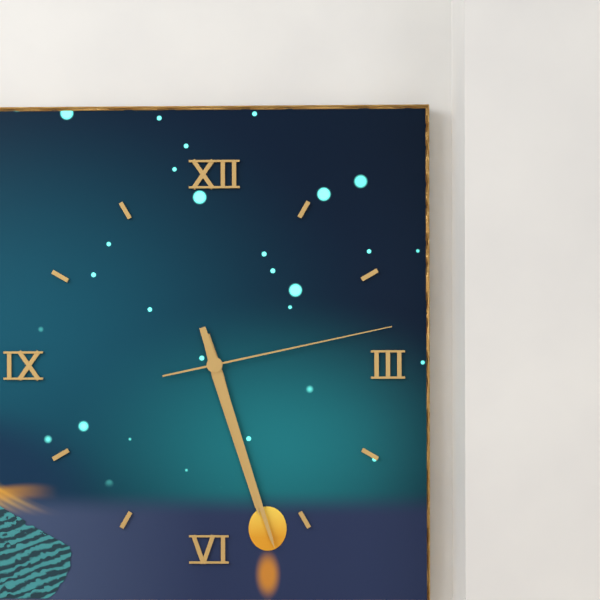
5.27.13
